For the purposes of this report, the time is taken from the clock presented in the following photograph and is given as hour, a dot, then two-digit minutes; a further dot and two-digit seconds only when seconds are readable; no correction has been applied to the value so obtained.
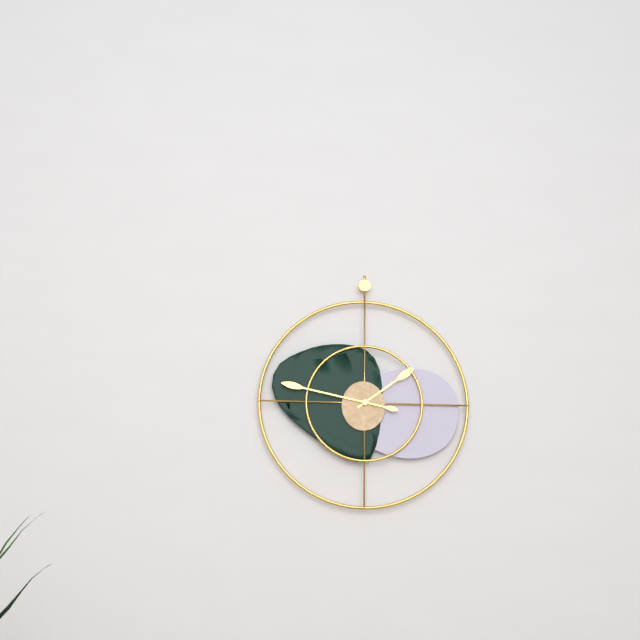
1.47
